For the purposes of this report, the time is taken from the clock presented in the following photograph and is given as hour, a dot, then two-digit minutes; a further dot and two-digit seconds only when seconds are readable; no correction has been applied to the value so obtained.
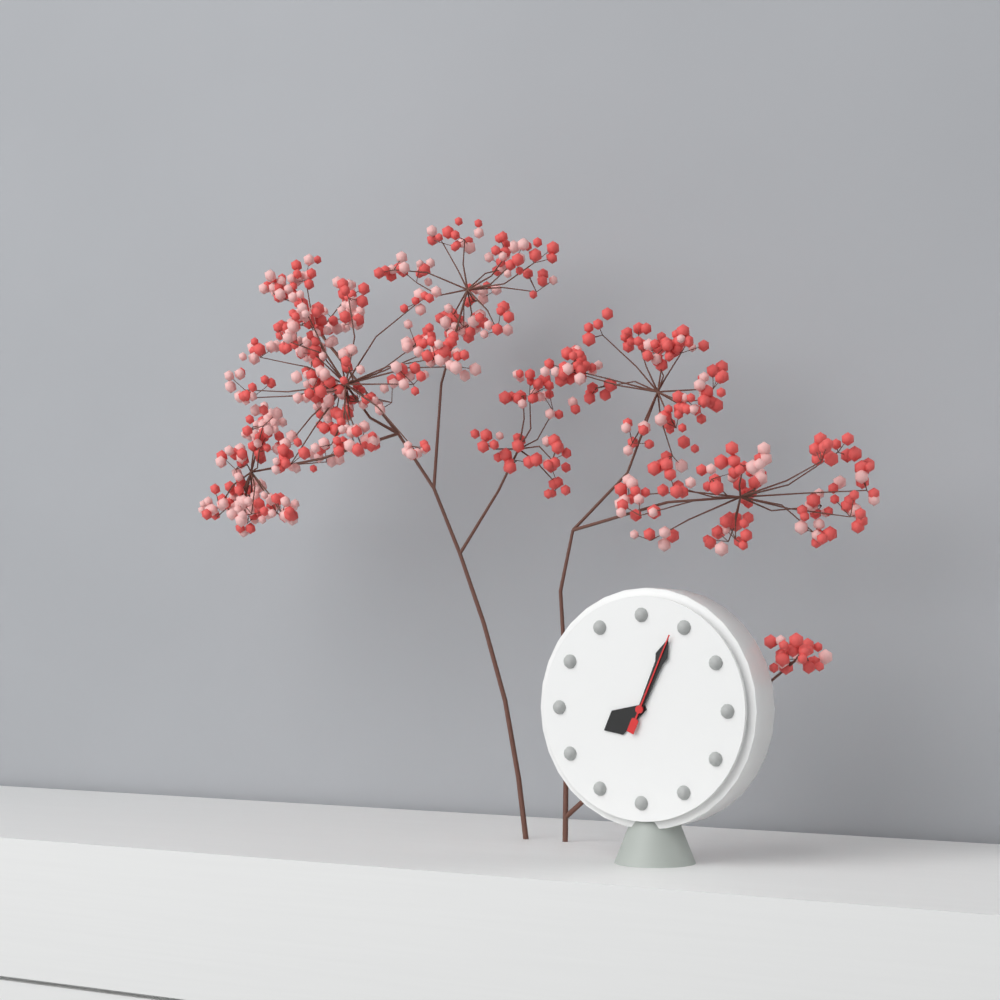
8.04.04
